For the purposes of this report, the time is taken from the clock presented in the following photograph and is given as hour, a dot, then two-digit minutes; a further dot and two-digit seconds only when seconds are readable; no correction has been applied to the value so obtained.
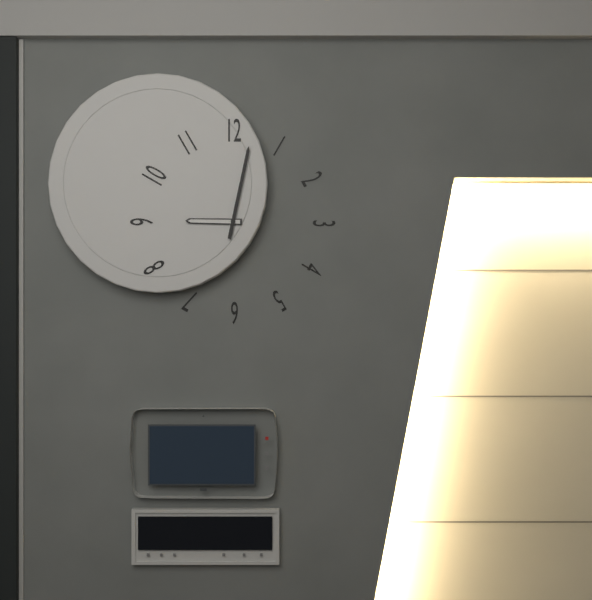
9.02
